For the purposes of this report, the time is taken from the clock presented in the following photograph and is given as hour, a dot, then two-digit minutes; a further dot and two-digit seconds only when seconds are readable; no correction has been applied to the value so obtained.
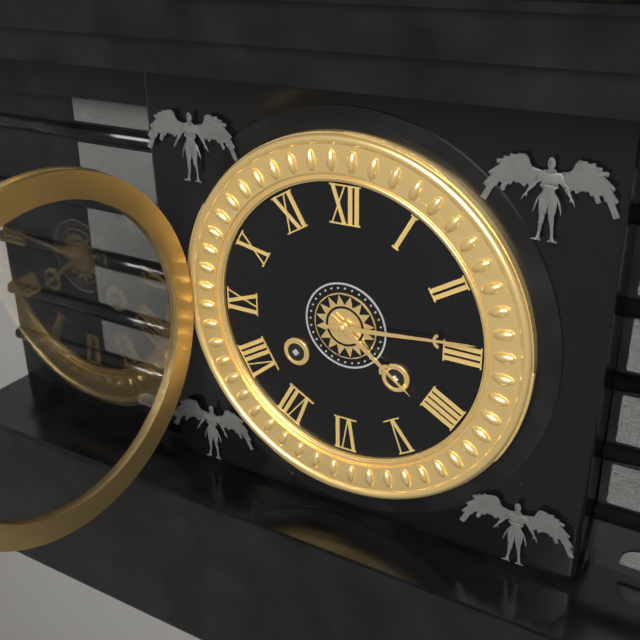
4.14
